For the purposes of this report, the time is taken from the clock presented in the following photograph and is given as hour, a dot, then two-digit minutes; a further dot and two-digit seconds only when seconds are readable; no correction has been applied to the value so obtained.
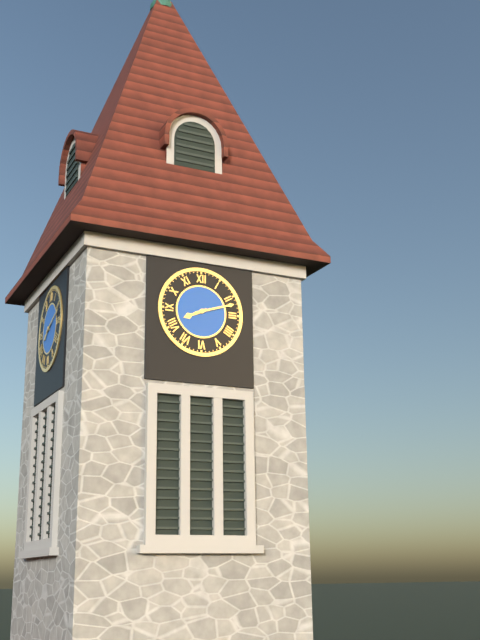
8.12
